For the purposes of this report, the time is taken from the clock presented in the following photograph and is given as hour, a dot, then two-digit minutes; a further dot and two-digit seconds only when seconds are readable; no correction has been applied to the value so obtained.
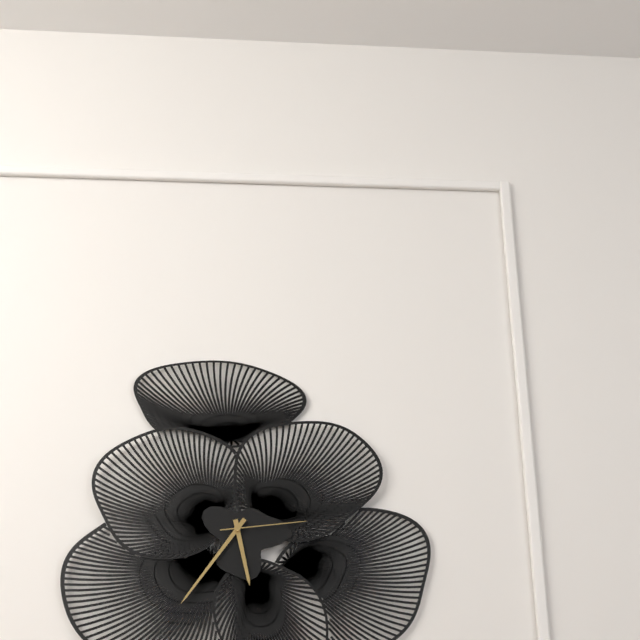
5.36.14
